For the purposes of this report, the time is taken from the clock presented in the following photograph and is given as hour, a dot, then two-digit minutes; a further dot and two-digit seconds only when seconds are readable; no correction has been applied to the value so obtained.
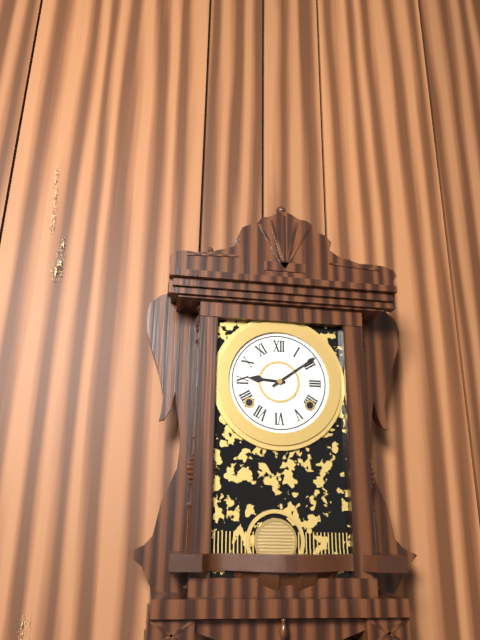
9.09
